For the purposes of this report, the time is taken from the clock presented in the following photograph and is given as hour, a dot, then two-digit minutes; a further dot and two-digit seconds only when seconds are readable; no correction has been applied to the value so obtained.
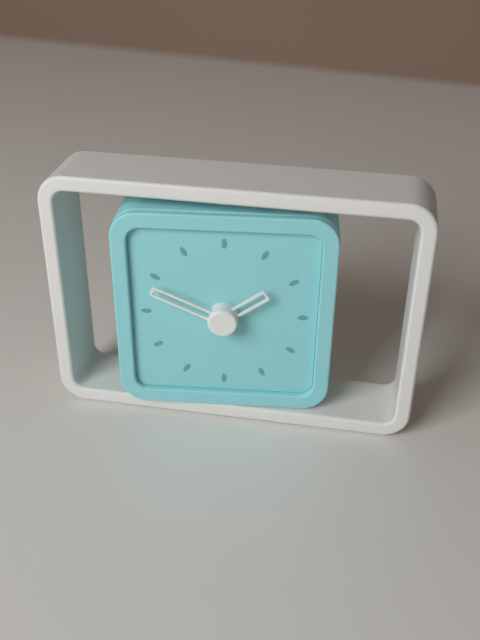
1.49
